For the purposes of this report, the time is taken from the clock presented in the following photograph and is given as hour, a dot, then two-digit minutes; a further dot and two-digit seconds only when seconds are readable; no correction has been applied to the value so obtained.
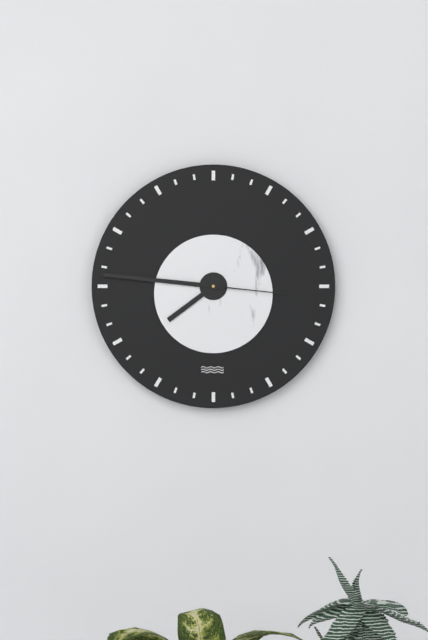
7.46.16
